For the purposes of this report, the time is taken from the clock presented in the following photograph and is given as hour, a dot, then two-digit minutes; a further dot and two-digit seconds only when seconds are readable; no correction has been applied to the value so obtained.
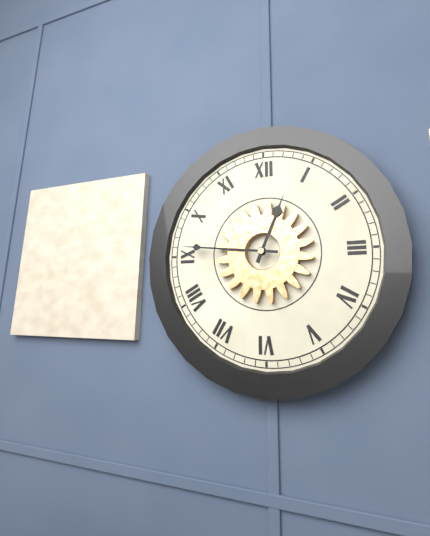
12.46
